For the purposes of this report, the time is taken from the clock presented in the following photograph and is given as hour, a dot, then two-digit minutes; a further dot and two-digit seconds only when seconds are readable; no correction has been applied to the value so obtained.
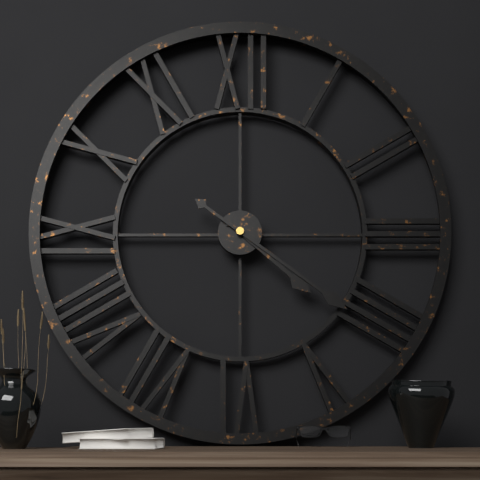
4.21
